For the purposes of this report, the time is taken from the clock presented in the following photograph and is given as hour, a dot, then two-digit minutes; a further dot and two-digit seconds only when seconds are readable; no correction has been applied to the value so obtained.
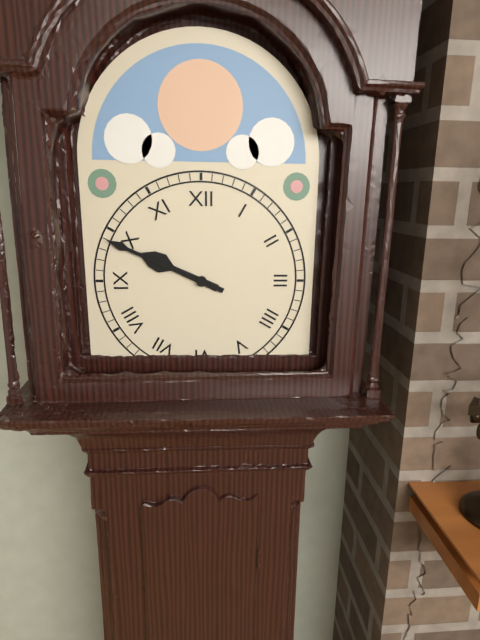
9.49
